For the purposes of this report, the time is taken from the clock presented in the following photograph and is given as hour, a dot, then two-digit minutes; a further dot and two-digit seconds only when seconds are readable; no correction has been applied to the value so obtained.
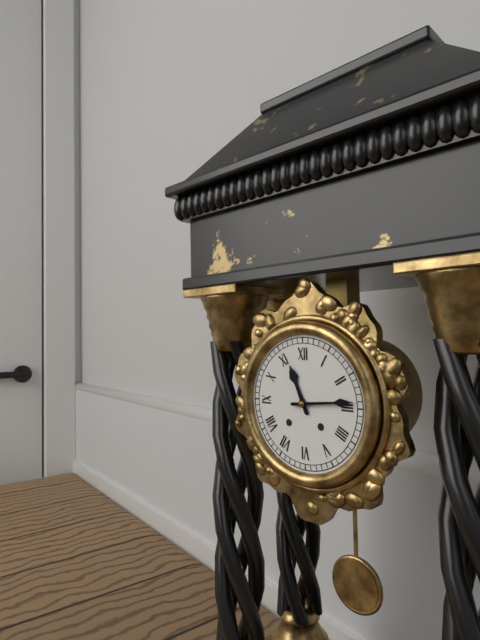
11.14
